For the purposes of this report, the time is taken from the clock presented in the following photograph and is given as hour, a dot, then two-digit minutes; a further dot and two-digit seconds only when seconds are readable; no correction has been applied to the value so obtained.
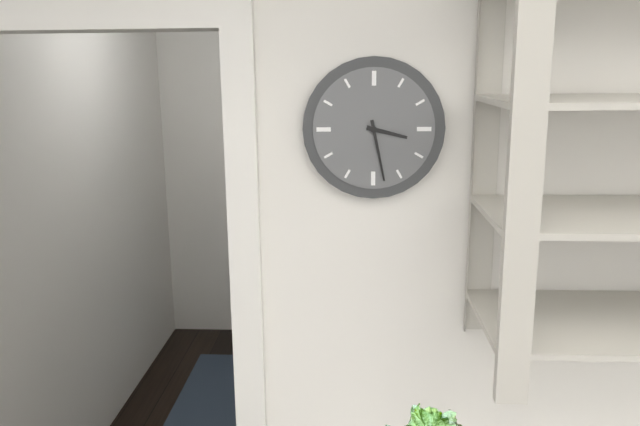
3.28
